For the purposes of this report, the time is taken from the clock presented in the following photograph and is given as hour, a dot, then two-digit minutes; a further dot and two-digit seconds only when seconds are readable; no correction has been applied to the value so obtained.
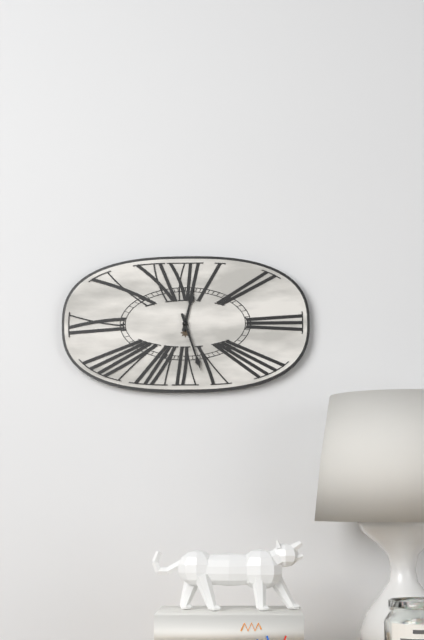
12.27
